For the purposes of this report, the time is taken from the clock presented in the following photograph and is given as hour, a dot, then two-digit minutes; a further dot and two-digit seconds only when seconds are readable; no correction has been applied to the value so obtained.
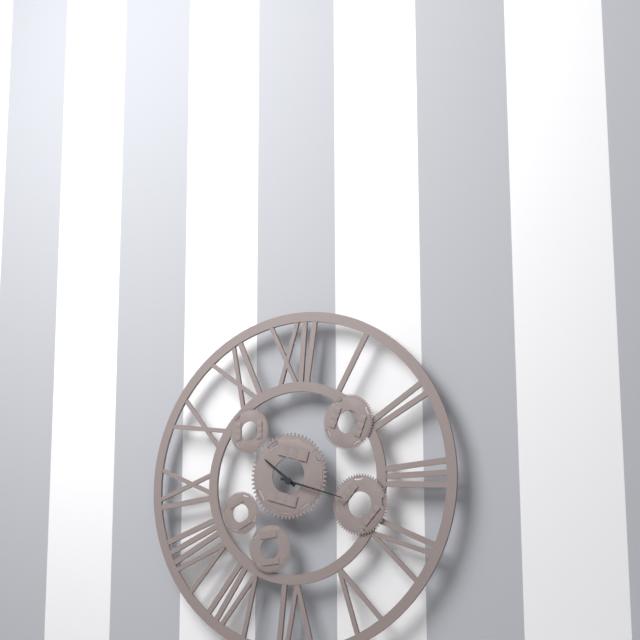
10.18
